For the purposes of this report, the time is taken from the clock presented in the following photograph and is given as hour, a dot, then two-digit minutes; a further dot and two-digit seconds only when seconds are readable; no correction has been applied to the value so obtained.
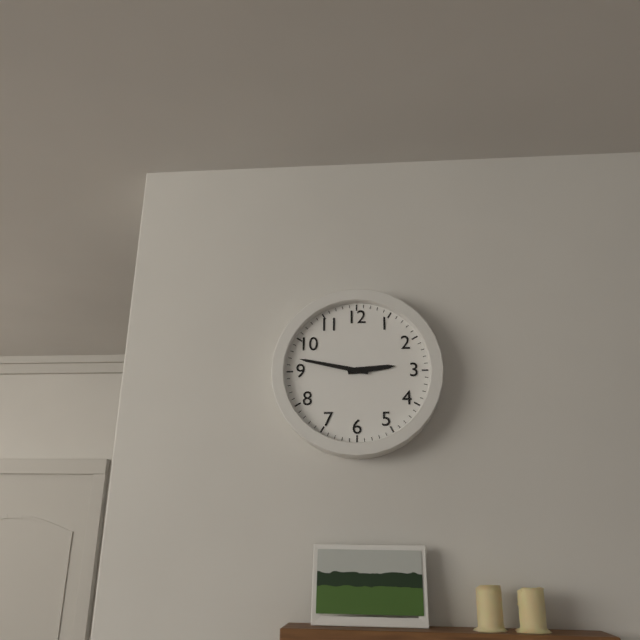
2.47
